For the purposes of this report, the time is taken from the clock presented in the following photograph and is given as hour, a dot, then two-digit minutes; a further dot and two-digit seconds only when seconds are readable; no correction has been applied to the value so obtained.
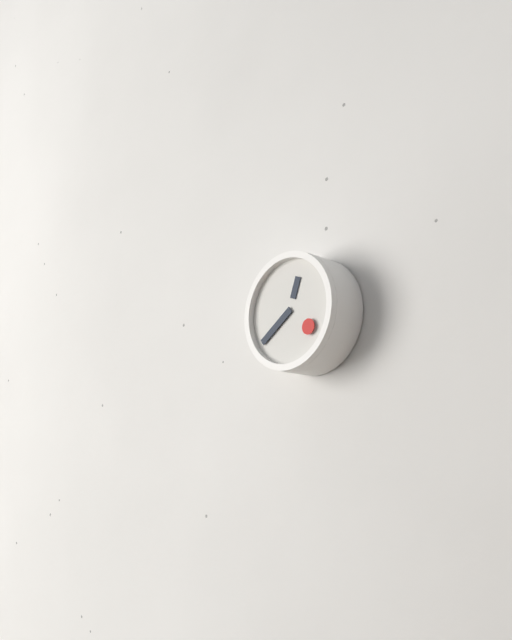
12.39
